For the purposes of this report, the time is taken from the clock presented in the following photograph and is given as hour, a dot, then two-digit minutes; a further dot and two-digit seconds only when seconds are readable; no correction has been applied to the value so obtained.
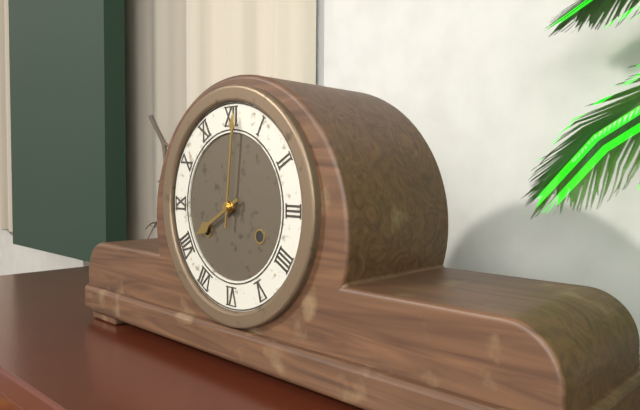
8.01
